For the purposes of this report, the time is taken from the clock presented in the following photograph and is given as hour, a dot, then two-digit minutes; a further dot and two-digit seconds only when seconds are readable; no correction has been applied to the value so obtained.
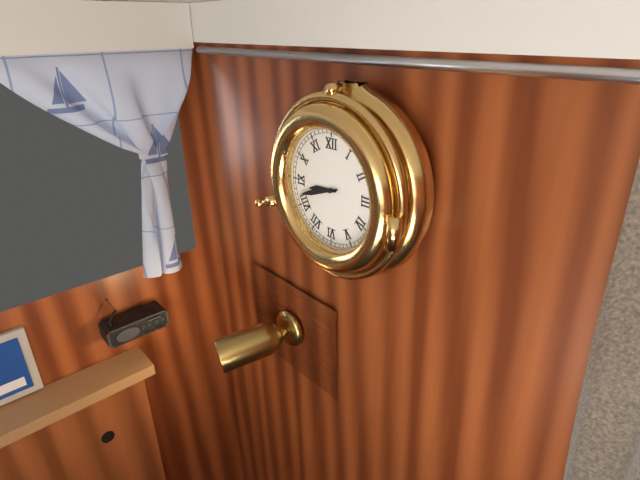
8.42
